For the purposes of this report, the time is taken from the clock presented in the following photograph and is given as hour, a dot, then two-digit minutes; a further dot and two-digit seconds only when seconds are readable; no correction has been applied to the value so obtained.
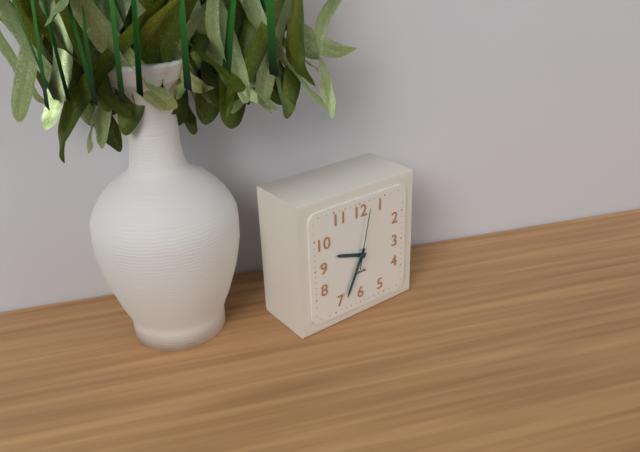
9.34.02
